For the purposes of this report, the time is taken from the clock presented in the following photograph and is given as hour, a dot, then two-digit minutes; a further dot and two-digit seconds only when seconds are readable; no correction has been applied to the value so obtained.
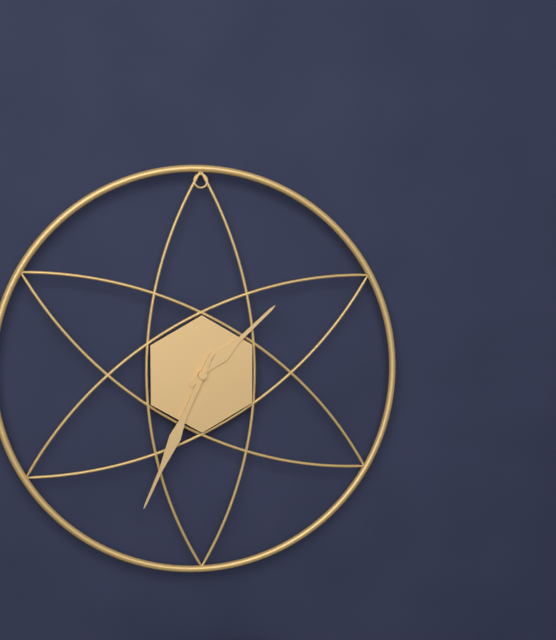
1.34
